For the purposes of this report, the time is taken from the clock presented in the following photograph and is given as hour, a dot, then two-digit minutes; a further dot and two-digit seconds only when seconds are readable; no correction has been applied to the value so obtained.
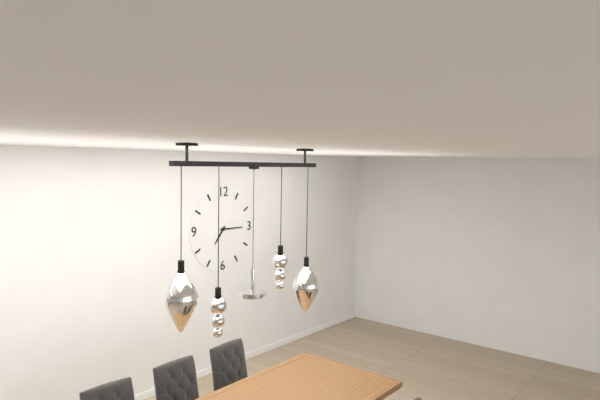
7.15
